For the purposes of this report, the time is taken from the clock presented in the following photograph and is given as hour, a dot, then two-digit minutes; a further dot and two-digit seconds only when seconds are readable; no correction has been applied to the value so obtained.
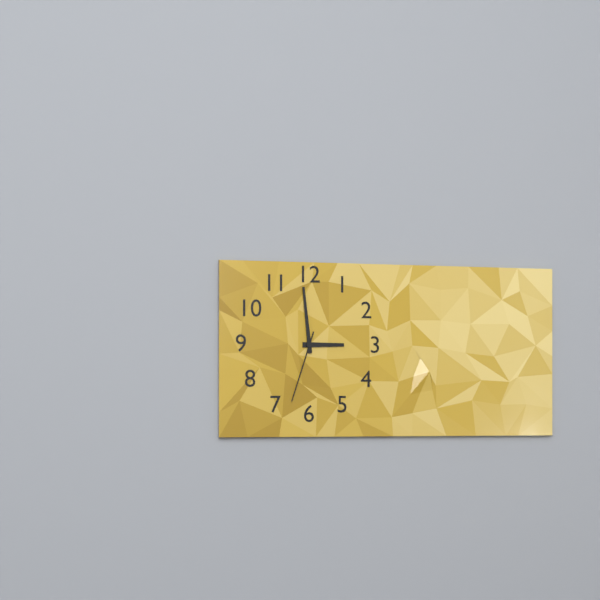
2.59.33
